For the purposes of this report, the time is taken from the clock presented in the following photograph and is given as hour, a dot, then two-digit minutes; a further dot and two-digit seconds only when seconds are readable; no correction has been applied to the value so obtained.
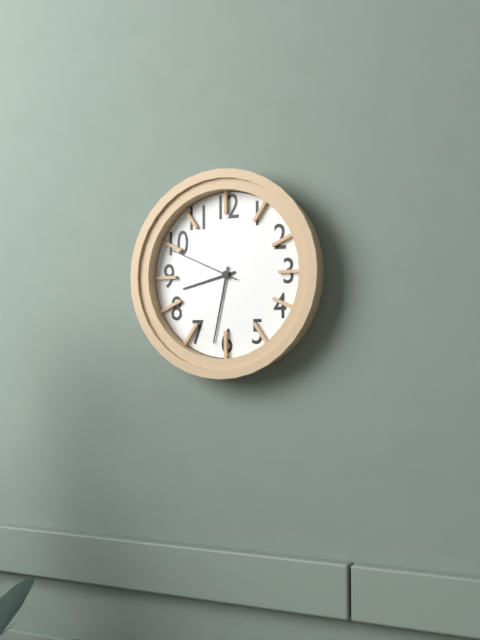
8.32.49
